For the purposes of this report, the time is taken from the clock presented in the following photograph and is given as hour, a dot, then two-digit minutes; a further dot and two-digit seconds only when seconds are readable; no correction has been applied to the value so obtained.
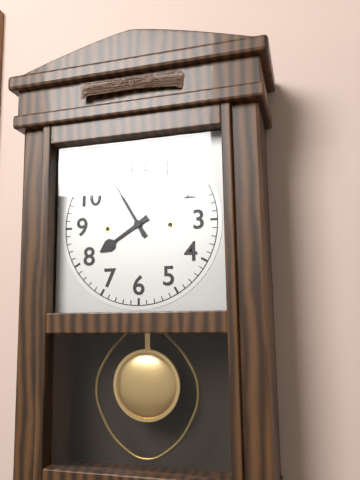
7.55
